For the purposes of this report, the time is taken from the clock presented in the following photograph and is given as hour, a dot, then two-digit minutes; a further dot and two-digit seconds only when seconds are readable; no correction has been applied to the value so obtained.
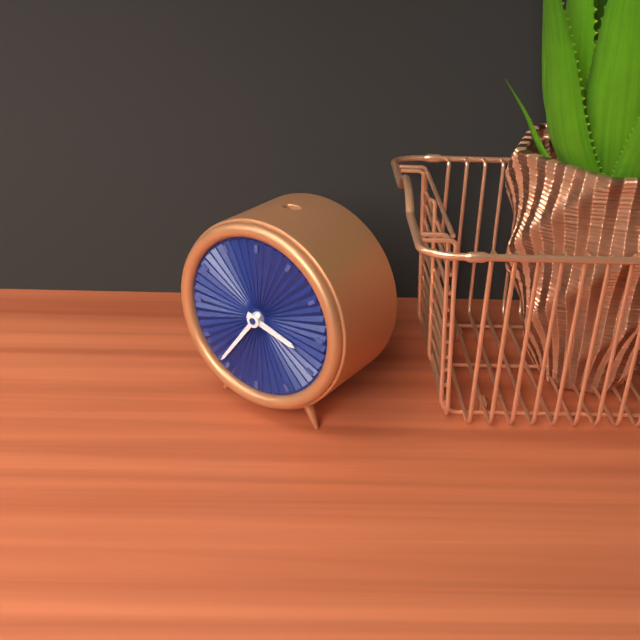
3.36
